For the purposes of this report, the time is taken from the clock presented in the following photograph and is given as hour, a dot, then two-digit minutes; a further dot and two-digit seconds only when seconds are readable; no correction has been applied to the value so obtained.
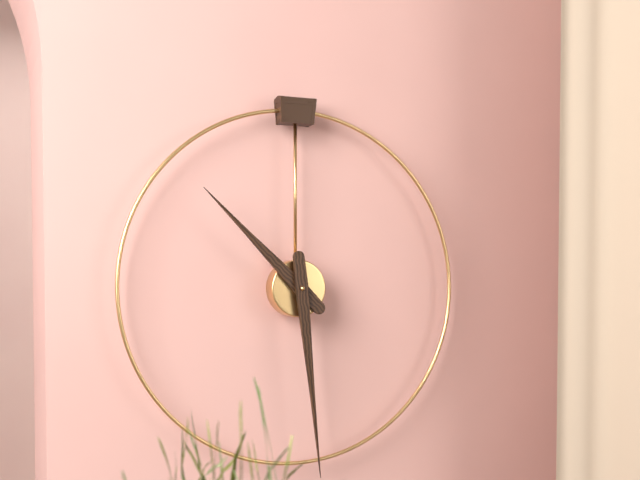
10.29
